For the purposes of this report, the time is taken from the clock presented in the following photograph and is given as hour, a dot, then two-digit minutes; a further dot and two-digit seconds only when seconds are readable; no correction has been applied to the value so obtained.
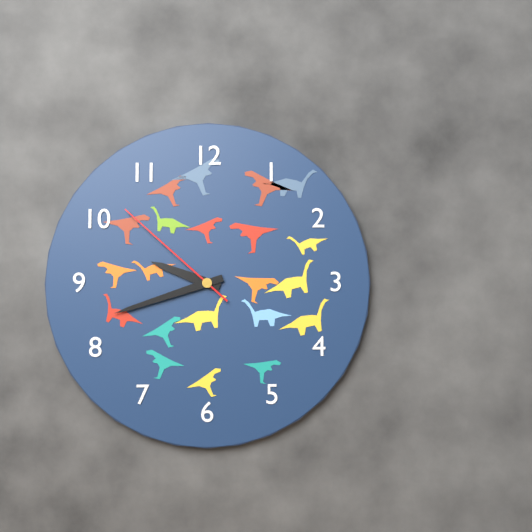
9.42.52
